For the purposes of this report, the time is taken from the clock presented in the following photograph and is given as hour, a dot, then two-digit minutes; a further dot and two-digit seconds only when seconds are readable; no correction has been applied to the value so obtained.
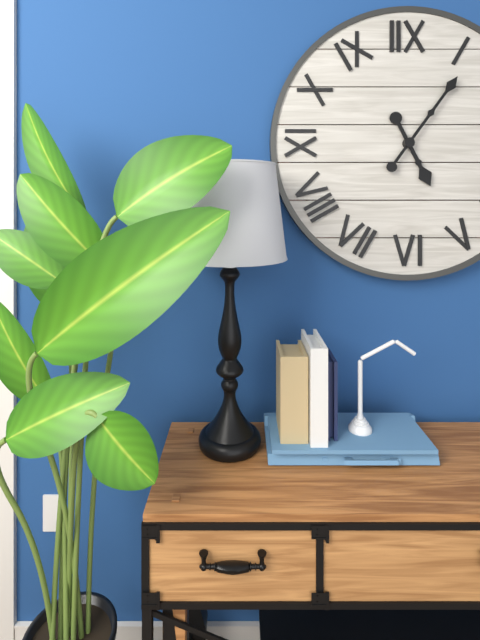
5.06
